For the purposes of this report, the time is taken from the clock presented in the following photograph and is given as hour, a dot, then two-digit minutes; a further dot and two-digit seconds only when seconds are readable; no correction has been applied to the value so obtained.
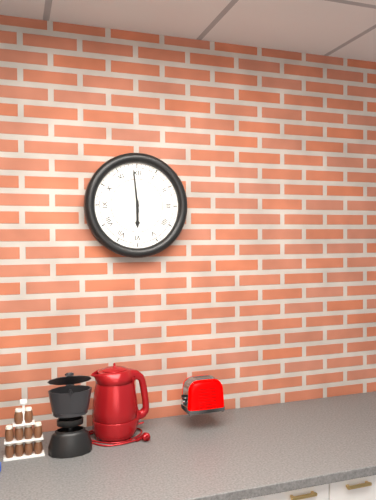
5.59
